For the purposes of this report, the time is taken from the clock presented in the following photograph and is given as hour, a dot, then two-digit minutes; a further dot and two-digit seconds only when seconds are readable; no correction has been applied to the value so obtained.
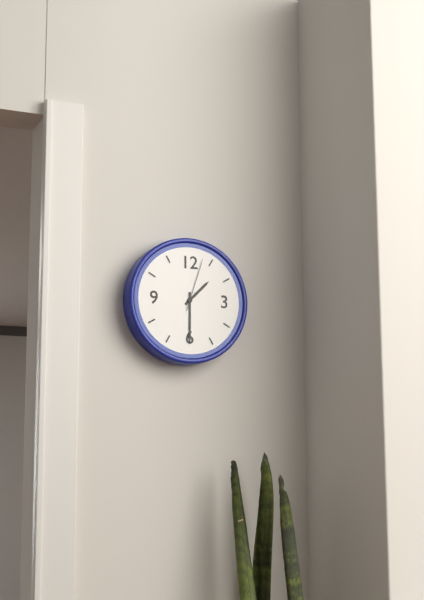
1.30.03
